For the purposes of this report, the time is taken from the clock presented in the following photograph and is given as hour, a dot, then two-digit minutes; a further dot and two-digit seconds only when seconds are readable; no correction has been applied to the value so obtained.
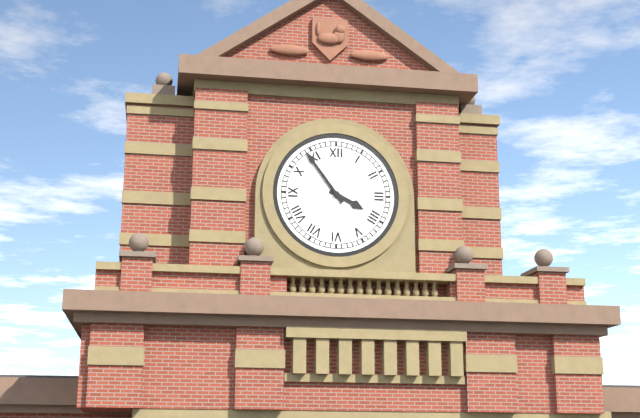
3.54
